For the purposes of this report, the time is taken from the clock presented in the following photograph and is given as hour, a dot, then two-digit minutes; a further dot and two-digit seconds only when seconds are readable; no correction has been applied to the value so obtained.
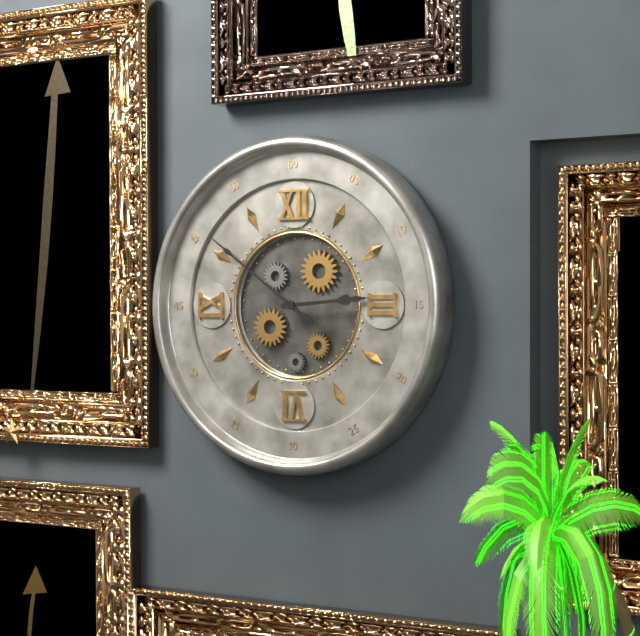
2.51
